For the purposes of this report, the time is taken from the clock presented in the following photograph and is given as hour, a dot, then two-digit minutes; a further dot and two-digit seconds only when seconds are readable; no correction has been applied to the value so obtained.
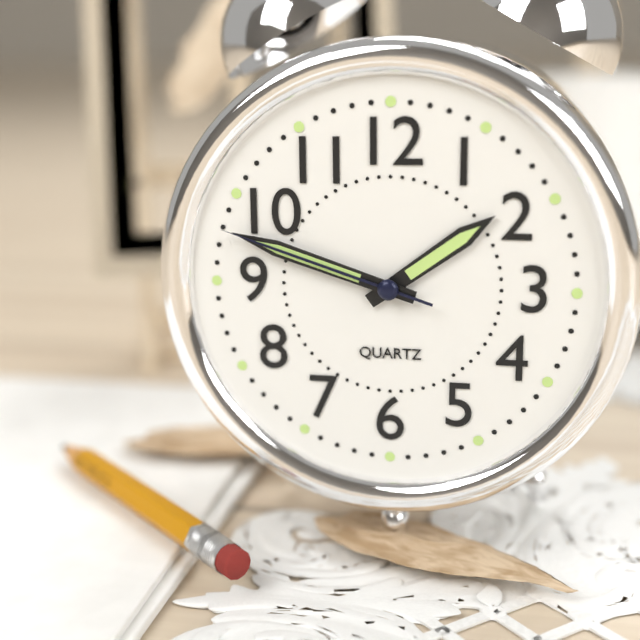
1.48.48
